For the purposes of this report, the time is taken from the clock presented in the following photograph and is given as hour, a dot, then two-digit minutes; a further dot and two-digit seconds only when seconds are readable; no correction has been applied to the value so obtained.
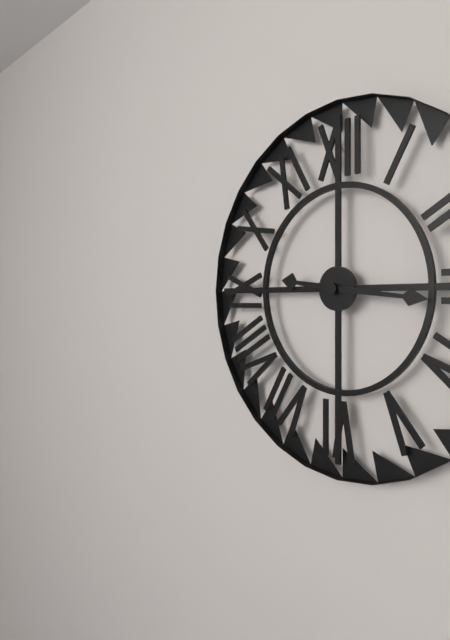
9.16
